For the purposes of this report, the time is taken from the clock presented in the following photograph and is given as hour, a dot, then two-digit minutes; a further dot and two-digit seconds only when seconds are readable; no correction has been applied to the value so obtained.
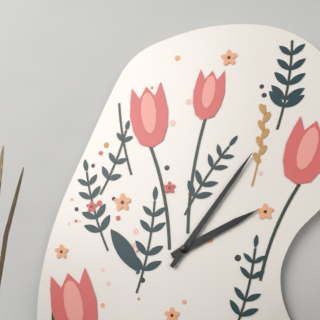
2.06
